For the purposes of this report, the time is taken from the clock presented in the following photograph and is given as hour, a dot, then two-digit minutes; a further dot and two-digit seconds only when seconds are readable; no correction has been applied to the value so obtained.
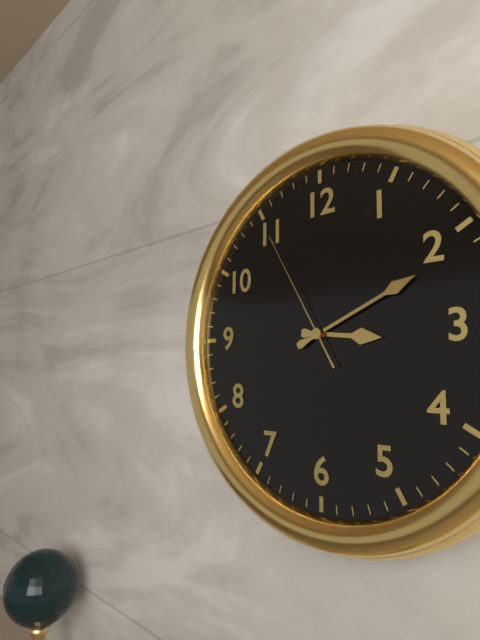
3.11.55
